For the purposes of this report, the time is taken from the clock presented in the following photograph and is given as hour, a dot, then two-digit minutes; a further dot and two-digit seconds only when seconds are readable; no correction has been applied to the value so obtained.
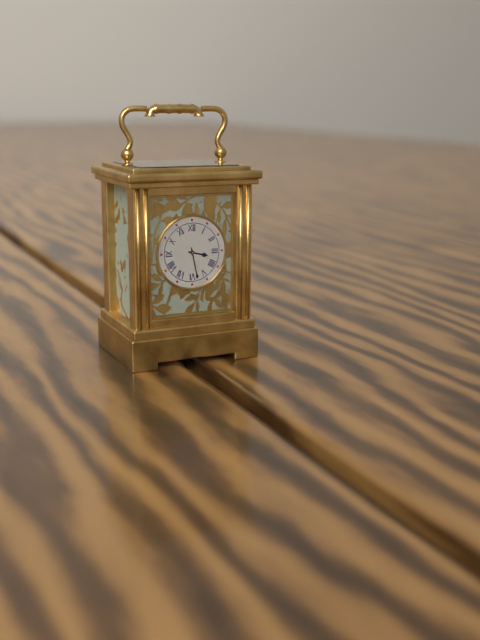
3.28
